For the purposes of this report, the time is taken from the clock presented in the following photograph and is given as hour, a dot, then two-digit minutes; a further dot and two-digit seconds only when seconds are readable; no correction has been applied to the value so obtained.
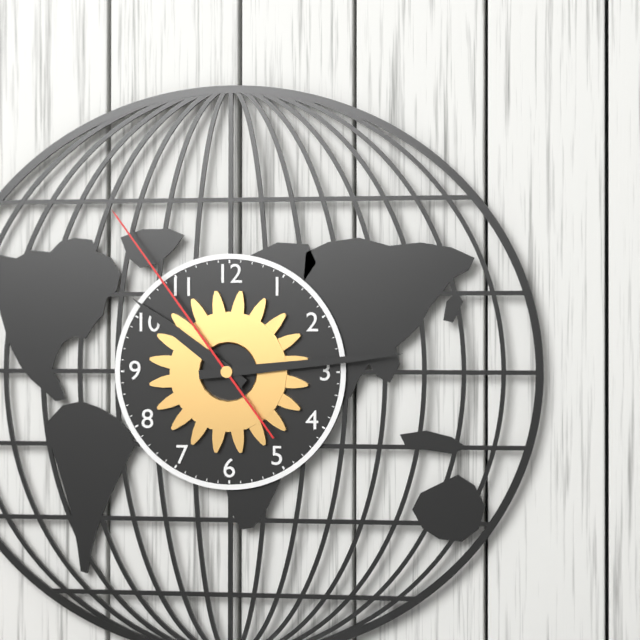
10.14.54
